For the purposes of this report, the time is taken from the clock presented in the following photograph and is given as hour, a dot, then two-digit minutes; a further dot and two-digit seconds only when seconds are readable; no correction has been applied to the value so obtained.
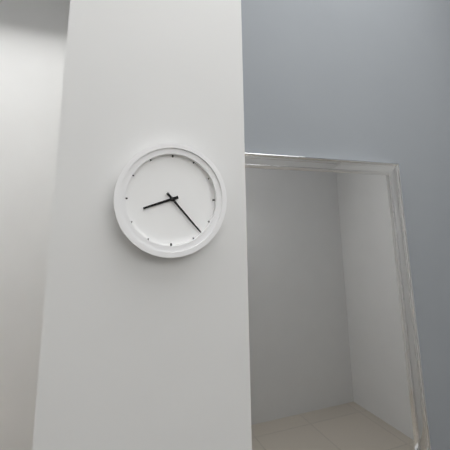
8.23
